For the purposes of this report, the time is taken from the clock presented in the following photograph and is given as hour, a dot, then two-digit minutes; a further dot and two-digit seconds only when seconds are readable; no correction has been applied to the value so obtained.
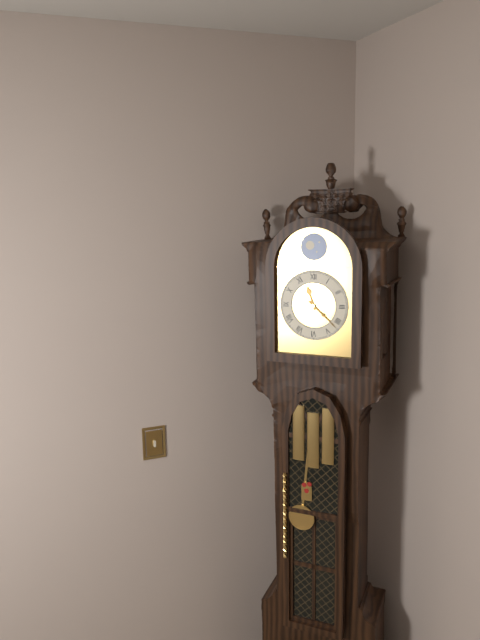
11.22
